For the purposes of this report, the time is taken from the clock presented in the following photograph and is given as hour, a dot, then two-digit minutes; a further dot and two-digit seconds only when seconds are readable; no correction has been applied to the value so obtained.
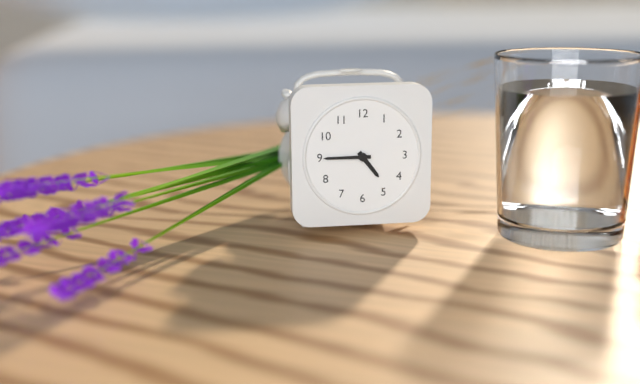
4.45
